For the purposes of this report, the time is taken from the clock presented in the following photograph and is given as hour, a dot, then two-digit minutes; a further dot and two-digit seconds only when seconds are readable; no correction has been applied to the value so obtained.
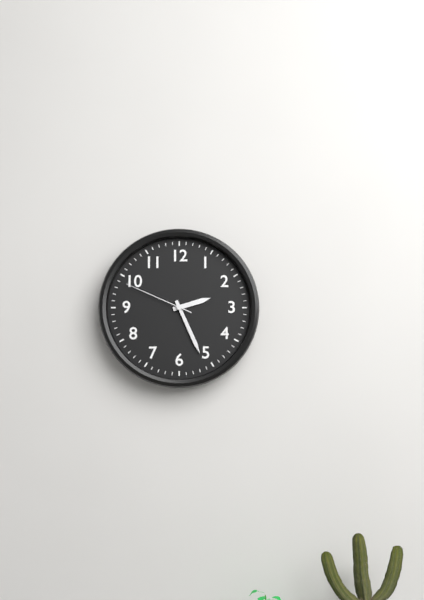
2.26.49
